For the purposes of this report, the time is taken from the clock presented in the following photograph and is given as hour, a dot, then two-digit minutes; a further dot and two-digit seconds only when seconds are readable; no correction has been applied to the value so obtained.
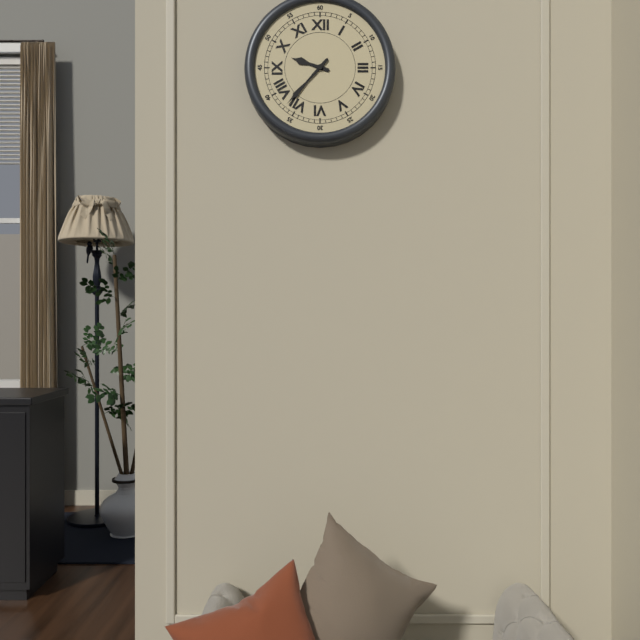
9.37
